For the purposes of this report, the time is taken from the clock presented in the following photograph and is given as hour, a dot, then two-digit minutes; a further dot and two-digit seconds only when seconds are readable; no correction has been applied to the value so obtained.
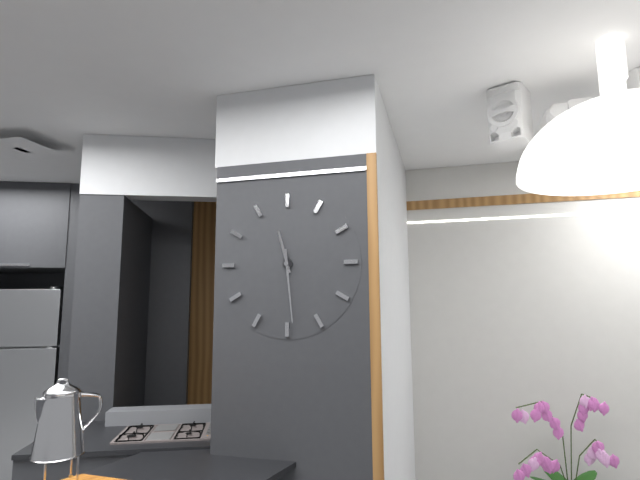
11.29
